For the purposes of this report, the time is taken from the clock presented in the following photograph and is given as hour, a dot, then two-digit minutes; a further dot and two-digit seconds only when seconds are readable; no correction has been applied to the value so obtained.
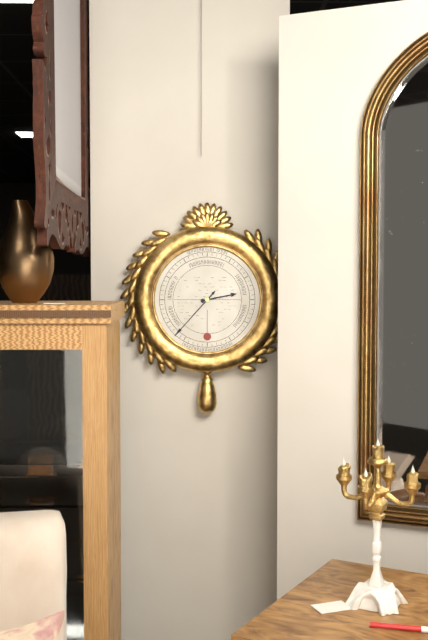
2.37
